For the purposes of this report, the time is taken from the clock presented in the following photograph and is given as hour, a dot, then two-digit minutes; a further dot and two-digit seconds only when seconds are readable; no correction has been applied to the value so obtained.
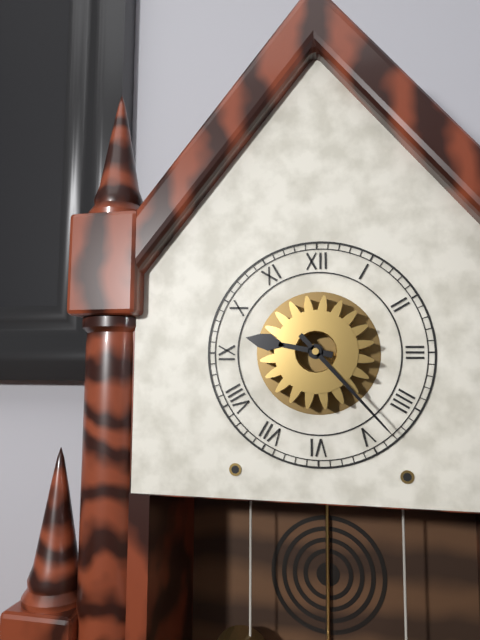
9.23
